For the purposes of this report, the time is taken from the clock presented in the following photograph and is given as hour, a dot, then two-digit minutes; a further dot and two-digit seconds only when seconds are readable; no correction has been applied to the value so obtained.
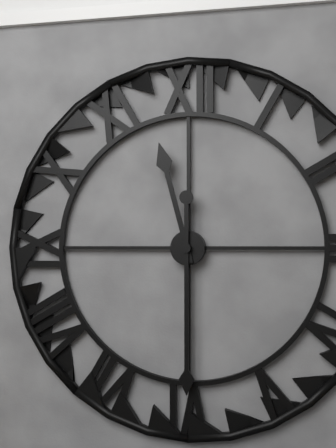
11.30
